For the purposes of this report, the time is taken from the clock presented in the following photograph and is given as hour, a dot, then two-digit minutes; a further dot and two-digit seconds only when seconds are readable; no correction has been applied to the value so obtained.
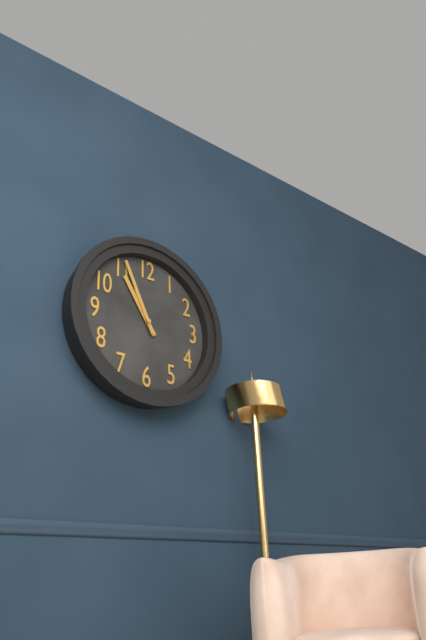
10.56
